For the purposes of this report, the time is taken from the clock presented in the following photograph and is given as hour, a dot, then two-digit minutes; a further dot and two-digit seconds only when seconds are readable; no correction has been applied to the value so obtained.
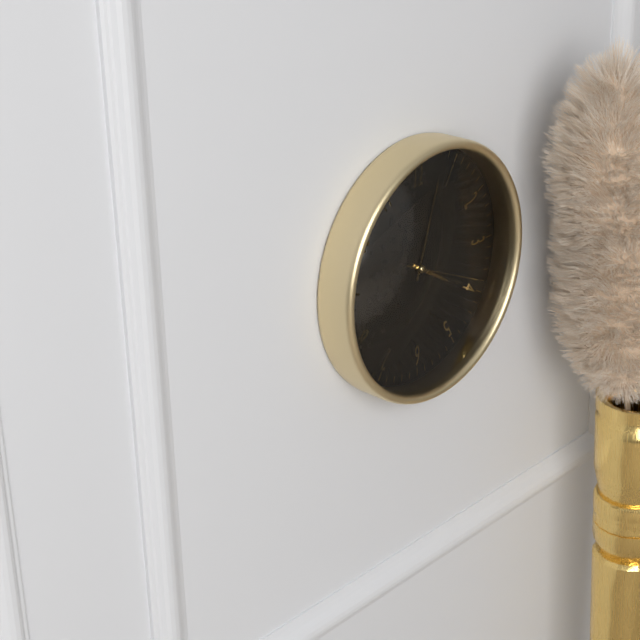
4.03.19
